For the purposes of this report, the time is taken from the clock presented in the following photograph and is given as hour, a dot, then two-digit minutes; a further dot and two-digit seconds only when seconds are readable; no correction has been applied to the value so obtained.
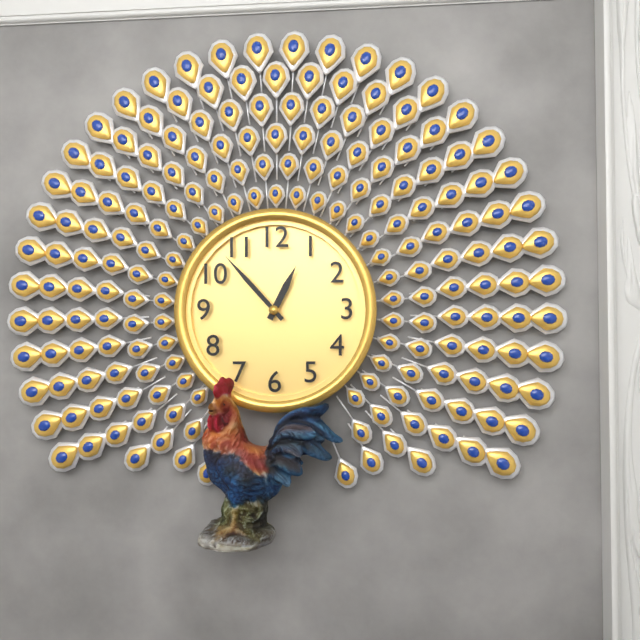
12.53
